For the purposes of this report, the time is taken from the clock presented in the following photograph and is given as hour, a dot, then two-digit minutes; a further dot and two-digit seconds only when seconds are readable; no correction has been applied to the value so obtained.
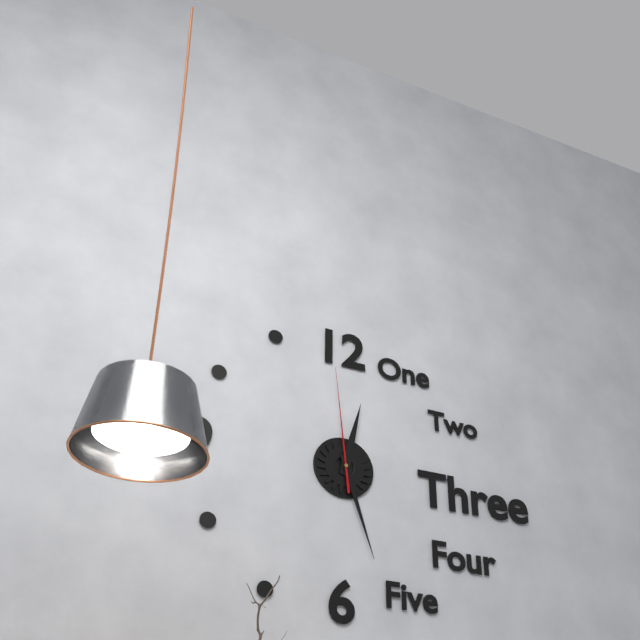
12.27.59
